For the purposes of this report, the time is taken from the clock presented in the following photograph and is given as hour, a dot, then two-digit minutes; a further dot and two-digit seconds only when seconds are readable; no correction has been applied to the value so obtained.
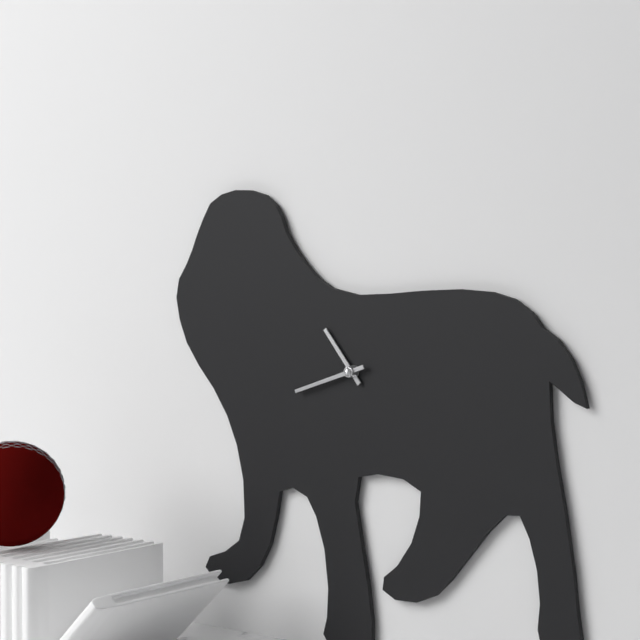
10.42
